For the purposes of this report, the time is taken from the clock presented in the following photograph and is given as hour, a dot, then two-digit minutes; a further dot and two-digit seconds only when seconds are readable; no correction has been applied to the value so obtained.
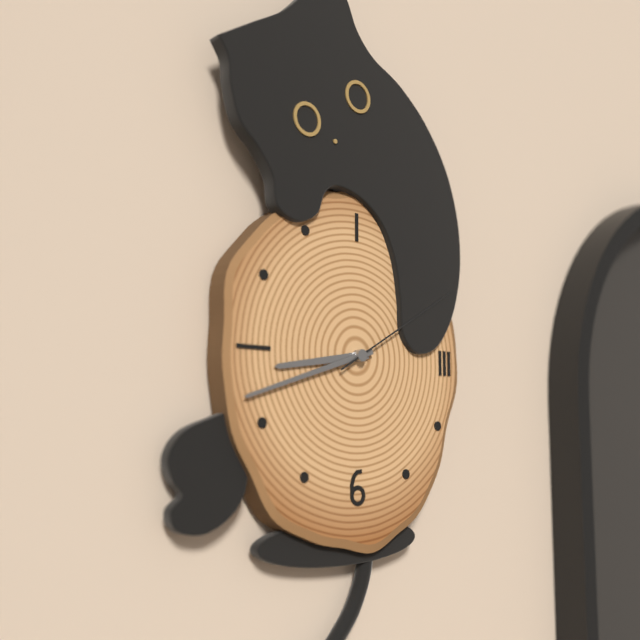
8.42.10
